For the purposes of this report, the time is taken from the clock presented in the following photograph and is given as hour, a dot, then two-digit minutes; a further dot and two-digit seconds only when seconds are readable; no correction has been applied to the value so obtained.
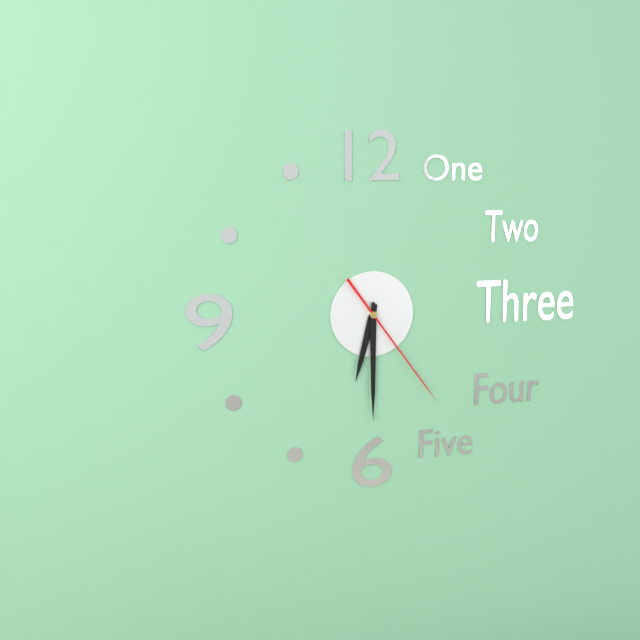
6.30.24
